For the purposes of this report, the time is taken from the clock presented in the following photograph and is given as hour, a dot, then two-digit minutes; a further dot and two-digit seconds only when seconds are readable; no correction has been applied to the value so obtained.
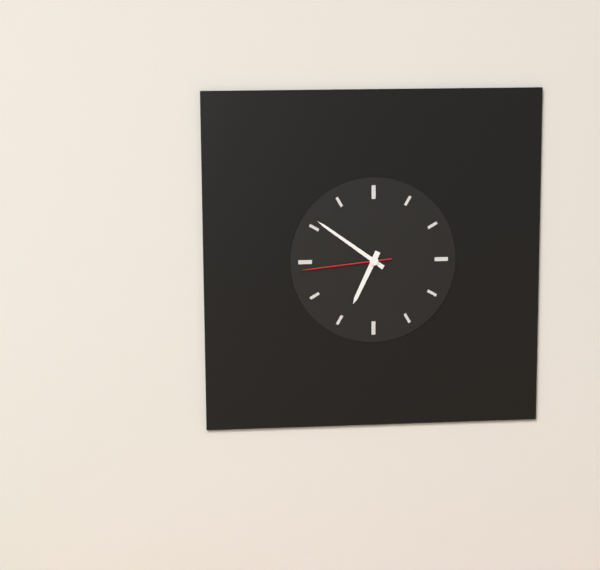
6.51.44
